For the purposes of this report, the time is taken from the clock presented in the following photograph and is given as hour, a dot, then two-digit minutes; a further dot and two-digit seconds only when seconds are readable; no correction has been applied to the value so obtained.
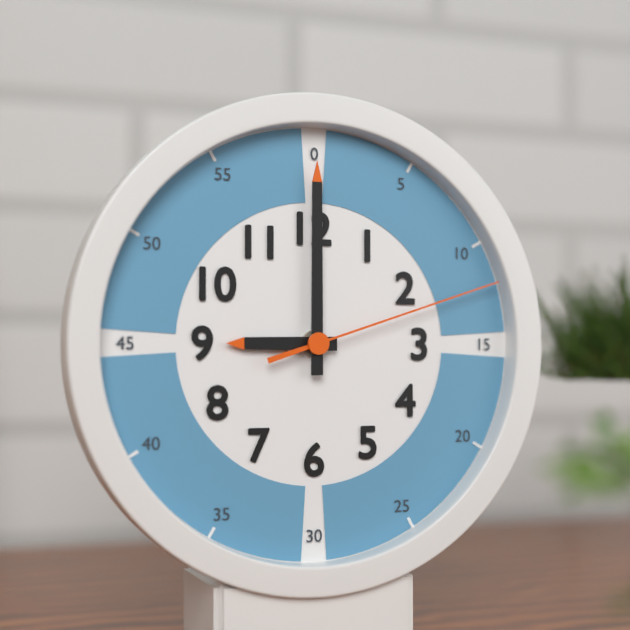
9.00.12
